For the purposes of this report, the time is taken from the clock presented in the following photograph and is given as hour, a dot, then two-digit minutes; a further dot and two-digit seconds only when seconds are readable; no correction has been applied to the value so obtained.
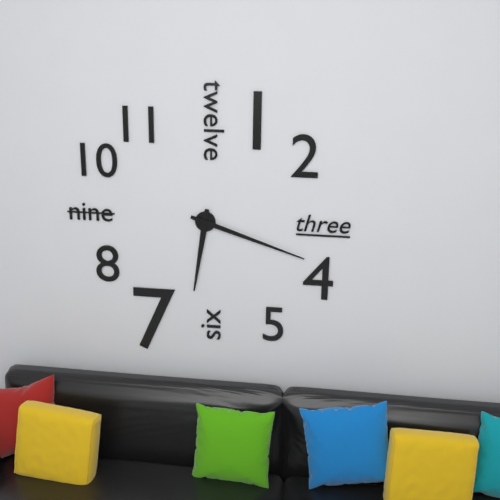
6.18
